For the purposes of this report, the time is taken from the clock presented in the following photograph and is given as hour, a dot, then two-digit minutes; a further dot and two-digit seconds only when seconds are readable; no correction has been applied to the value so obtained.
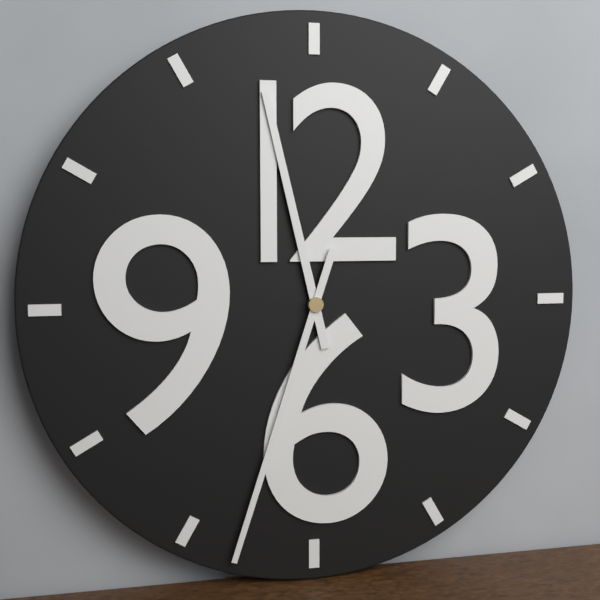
11.33
